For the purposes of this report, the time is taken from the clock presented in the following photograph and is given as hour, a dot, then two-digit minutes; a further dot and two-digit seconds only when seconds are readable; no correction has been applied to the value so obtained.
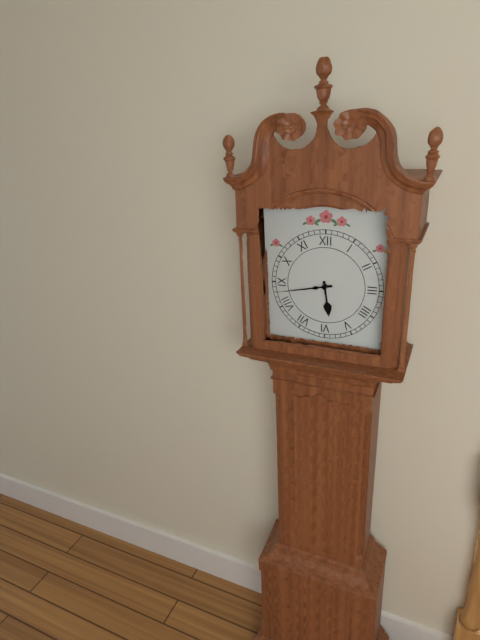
5.43
